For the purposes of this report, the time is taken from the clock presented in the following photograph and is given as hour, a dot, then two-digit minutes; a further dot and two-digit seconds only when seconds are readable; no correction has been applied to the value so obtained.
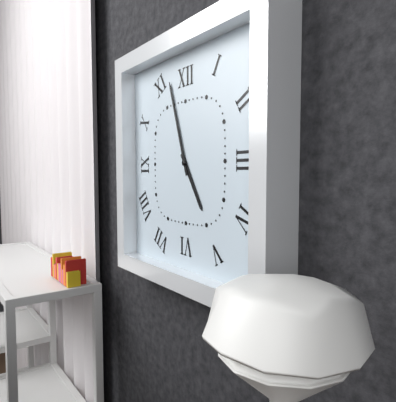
4.57
